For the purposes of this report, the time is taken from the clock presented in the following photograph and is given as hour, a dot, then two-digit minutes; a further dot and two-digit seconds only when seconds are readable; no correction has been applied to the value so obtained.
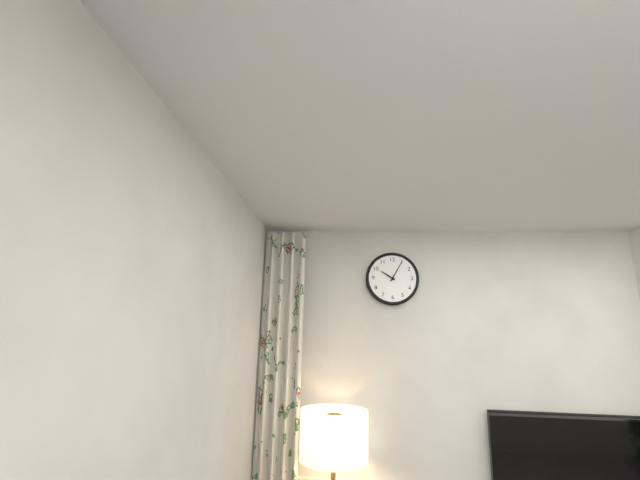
10.05
